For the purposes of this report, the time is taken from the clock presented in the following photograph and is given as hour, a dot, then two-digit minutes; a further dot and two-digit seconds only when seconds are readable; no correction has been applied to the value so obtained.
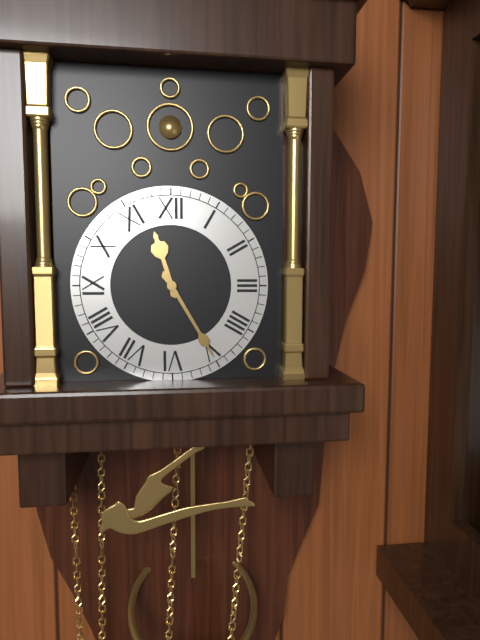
11.25
